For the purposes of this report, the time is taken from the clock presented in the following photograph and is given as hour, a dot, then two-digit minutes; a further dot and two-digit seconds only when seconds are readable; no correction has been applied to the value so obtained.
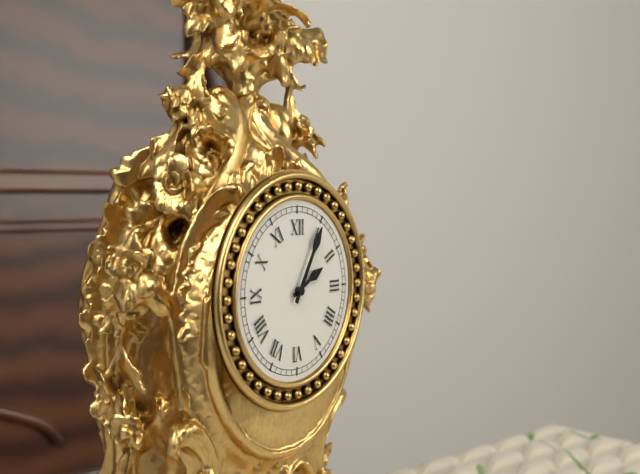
2.05
